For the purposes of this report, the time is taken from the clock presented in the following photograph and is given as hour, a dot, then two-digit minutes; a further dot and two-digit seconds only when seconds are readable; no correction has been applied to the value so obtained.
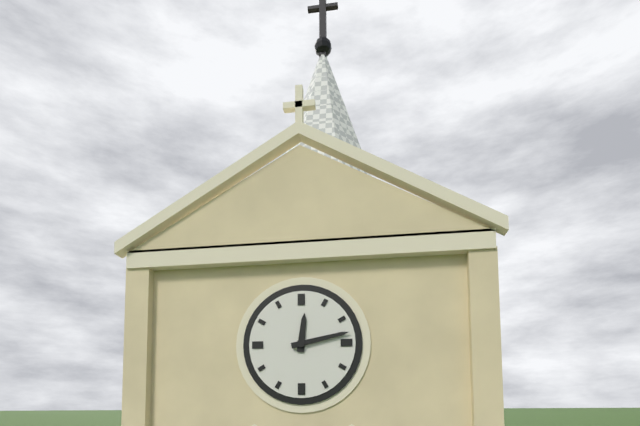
12.13
